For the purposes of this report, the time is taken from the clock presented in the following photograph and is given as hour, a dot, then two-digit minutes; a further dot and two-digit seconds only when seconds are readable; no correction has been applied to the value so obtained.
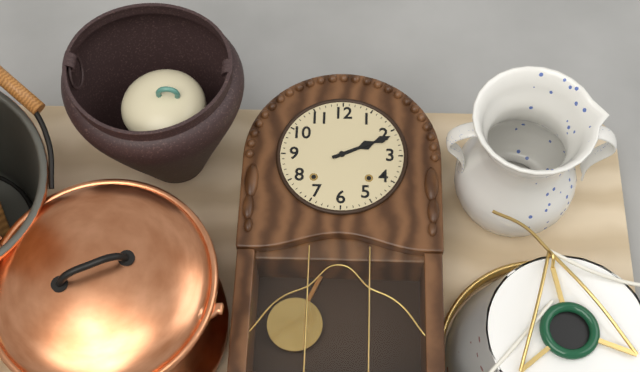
2.11
